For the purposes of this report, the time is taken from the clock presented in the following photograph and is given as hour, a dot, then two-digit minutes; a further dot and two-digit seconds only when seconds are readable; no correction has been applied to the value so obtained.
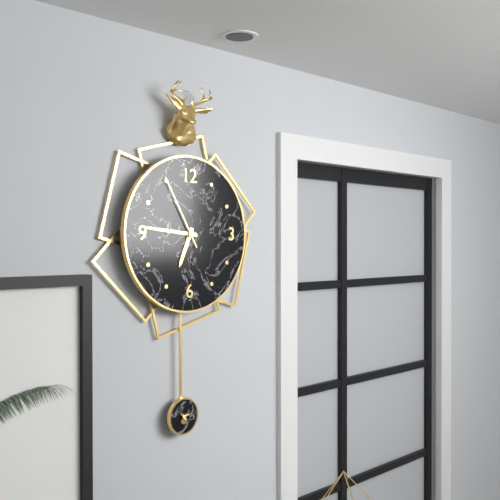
6.46.55
